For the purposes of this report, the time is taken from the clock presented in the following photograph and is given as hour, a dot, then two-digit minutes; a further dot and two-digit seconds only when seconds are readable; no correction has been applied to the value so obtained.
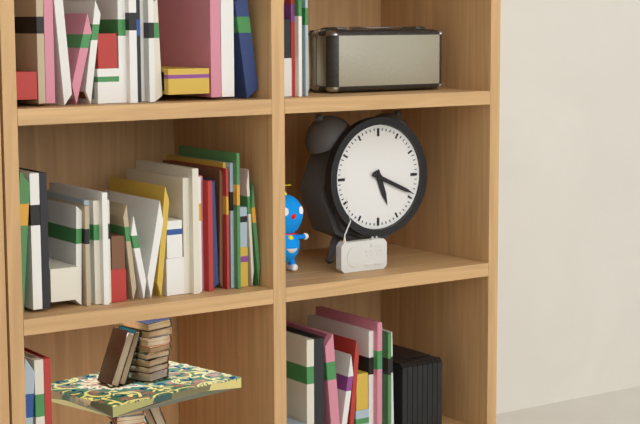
5.19
